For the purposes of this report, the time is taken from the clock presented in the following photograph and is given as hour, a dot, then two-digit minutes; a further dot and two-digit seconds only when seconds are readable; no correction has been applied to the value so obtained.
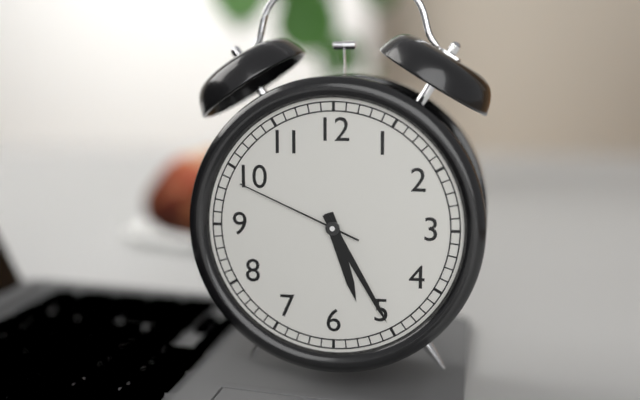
5.25.49
